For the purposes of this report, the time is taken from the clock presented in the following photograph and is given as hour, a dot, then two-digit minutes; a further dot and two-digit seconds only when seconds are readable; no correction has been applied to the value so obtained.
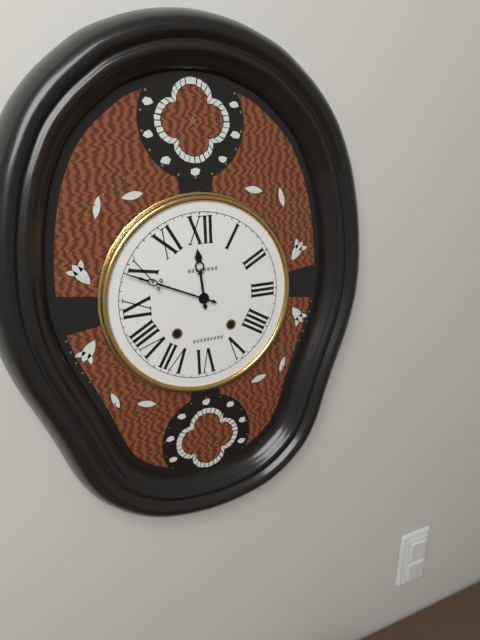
11.49
